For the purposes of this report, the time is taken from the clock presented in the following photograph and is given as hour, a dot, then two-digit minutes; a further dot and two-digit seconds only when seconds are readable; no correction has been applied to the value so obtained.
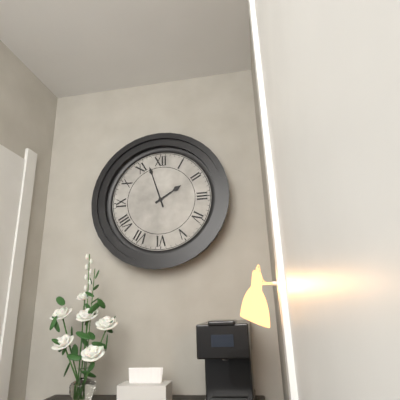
1.57
